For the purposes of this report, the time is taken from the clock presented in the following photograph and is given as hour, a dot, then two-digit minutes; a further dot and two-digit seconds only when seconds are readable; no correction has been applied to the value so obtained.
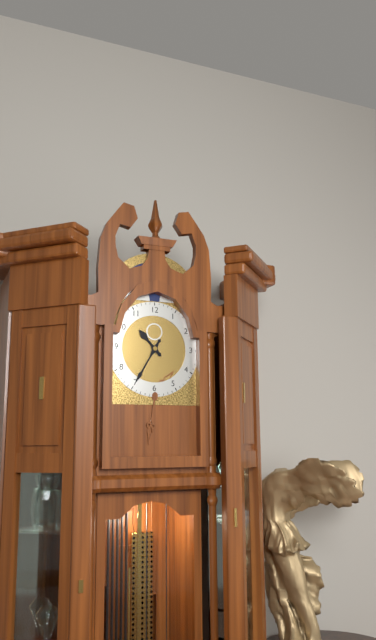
10.35
